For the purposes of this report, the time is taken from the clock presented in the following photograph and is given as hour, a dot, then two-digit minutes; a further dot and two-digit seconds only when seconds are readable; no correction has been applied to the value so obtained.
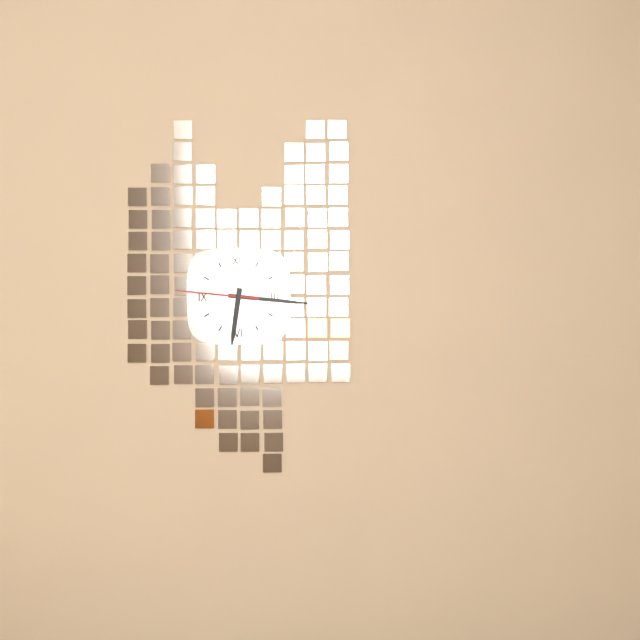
6.16.46
